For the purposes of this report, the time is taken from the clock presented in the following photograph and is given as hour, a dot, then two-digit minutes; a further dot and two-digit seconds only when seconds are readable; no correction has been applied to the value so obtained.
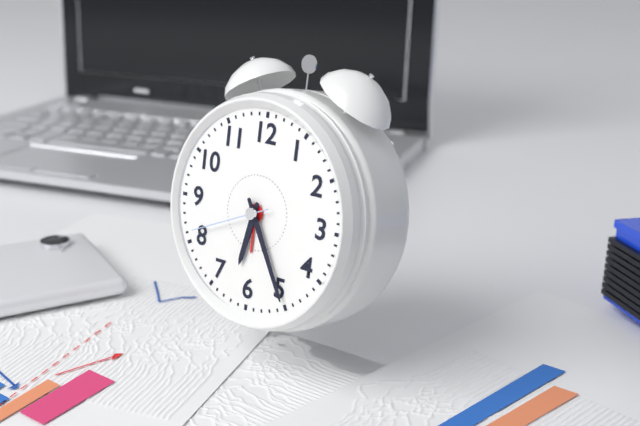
6.25.41
